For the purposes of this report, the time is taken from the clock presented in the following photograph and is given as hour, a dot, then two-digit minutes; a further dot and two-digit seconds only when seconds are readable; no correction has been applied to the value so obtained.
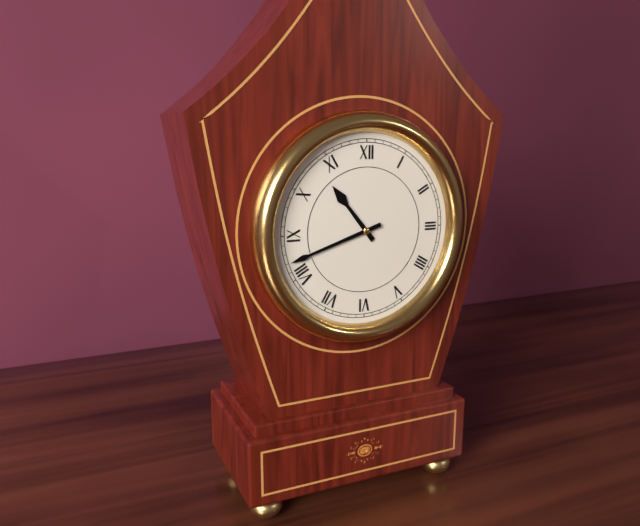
10.42
